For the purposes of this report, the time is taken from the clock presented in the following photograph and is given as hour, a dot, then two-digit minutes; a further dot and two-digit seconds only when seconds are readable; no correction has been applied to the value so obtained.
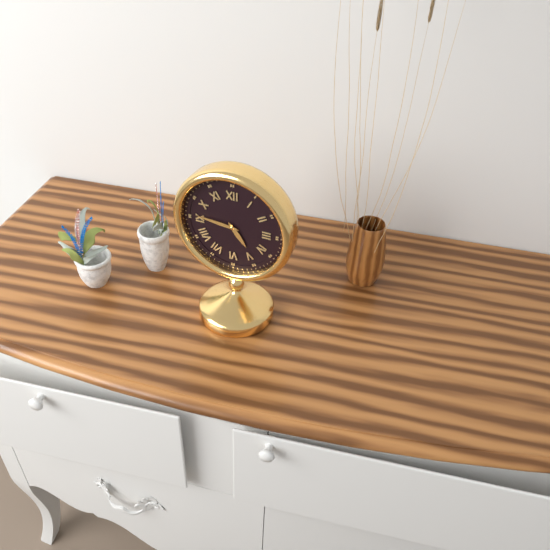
4.46
